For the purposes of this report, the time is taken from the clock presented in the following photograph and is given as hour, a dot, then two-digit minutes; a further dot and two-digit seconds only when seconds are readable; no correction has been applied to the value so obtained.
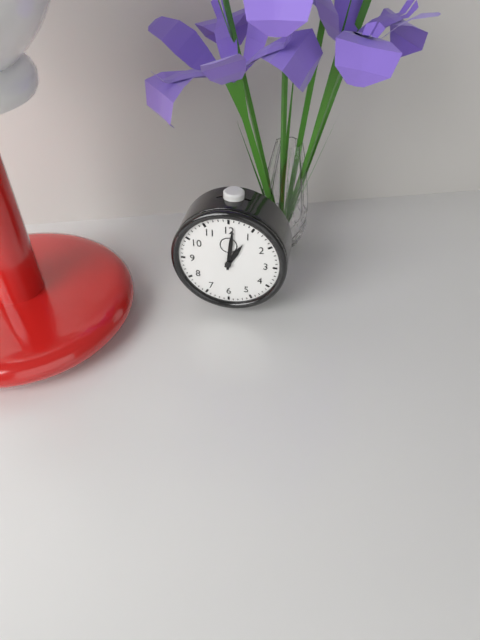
1.01
